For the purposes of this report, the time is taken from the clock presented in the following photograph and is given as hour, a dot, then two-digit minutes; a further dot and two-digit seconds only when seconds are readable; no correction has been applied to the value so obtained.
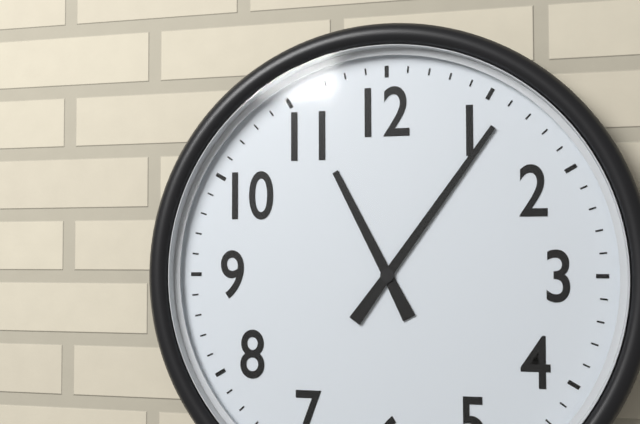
11.06
